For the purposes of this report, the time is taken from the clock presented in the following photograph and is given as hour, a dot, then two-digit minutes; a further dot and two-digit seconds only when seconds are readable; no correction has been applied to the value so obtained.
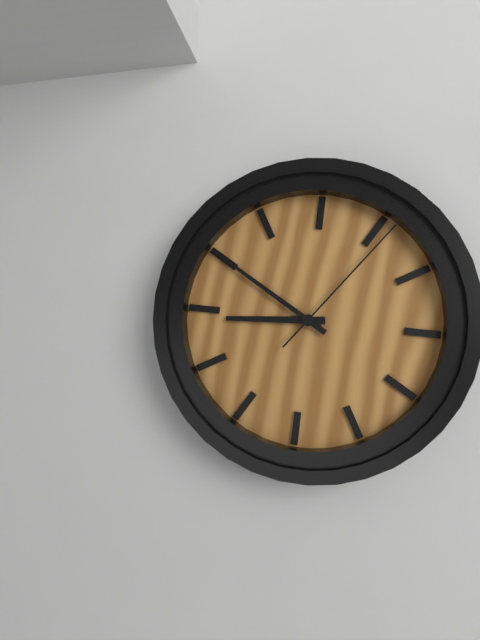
8.50.06
